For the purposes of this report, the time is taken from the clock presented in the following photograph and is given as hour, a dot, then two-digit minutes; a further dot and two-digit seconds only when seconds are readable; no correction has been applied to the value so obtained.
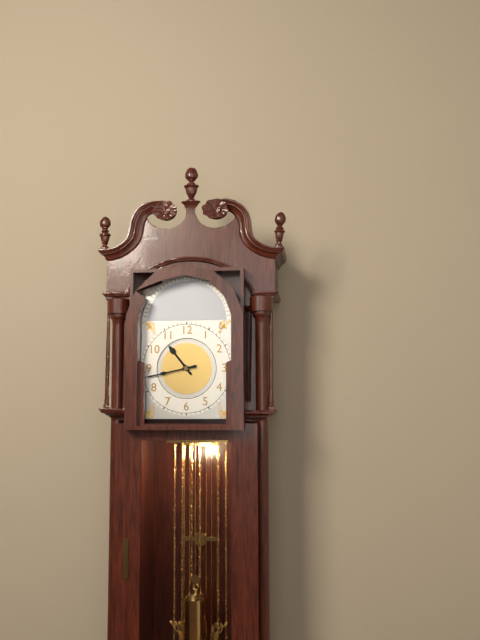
10.43
